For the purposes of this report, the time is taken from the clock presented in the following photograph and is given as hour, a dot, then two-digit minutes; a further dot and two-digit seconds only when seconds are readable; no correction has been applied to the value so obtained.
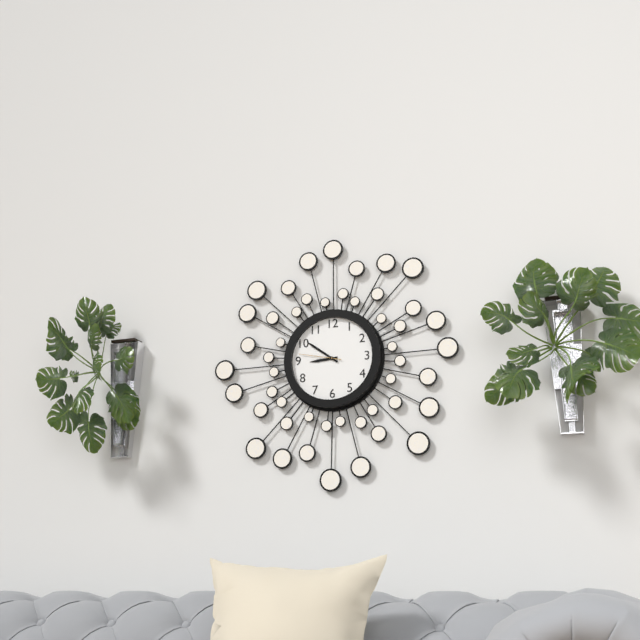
8.51
